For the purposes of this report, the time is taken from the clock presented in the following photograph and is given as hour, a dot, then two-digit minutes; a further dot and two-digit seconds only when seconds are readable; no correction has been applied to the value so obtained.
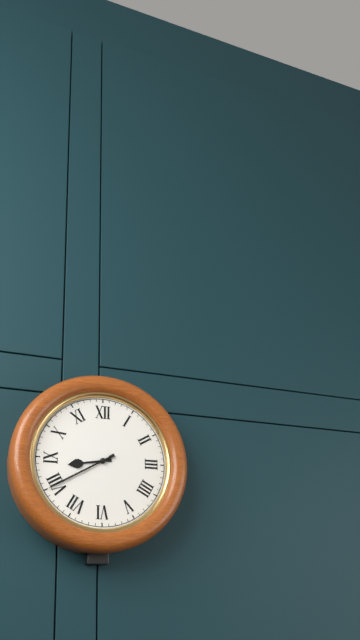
8.40
